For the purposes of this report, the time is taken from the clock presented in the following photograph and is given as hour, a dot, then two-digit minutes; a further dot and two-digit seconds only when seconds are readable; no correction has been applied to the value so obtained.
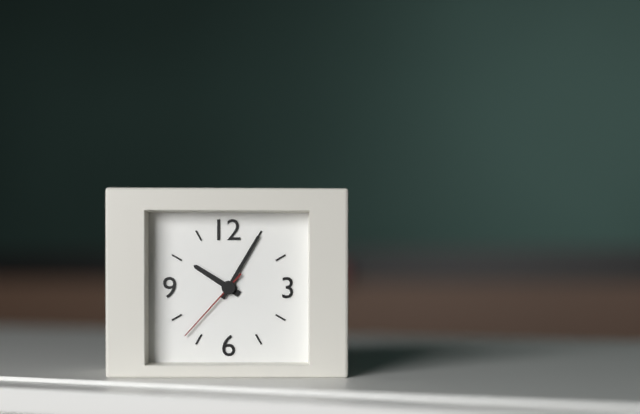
10.05.37
